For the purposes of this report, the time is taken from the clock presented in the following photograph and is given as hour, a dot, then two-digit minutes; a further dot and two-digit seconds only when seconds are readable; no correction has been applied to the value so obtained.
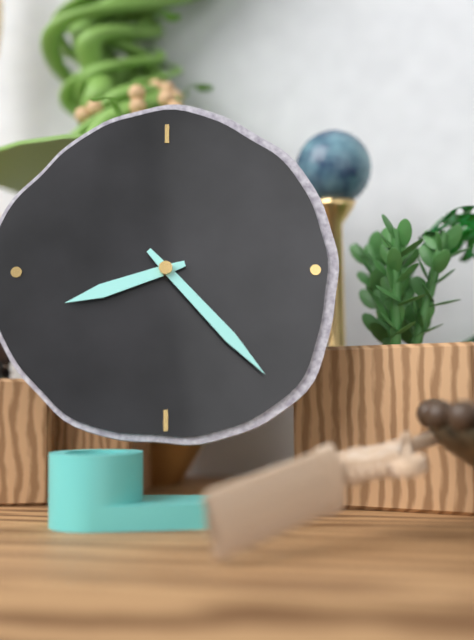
8.23
